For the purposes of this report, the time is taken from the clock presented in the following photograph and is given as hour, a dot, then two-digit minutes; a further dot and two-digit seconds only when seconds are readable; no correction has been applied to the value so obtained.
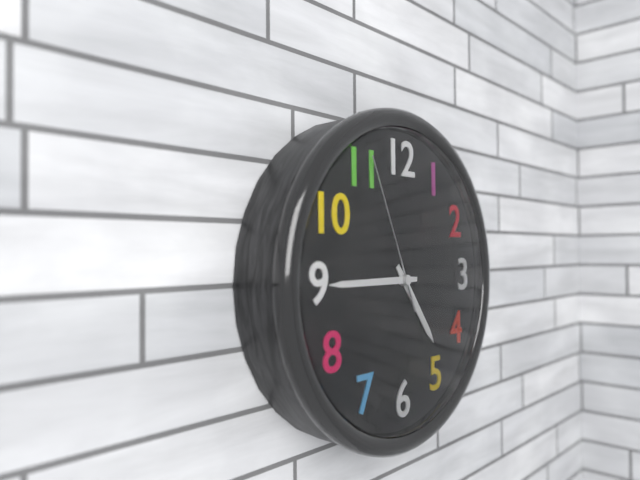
4.45.56
